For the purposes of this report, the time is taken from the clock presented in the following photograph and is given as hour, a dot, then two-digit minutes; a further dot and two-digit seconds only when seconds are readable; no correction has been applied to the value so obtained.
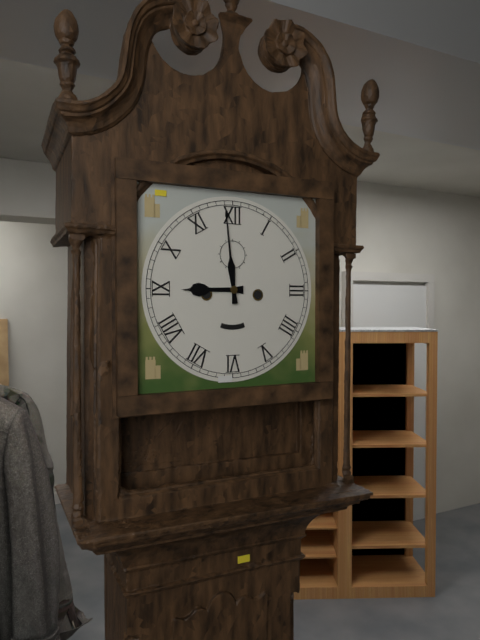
8.59
